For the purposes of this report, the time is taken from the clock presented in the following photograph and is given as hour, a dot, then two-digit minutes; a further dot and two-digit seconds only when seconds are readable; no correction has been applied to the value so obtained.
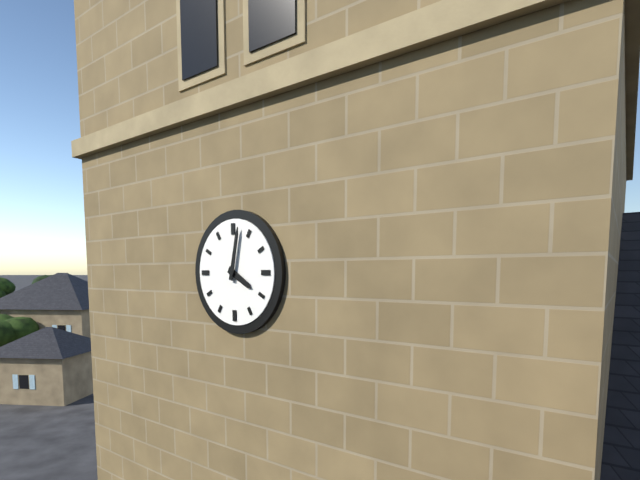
4.02
